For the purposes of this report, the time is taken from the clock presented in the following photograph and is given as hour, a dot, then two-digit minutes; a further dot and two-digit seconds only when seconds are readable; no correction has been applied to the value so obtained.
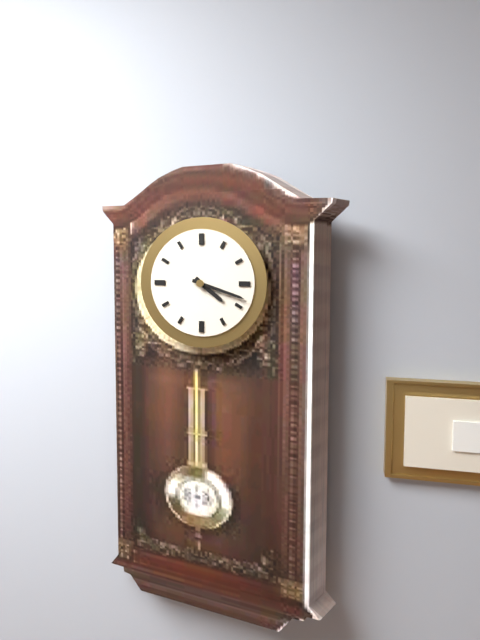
4.18
